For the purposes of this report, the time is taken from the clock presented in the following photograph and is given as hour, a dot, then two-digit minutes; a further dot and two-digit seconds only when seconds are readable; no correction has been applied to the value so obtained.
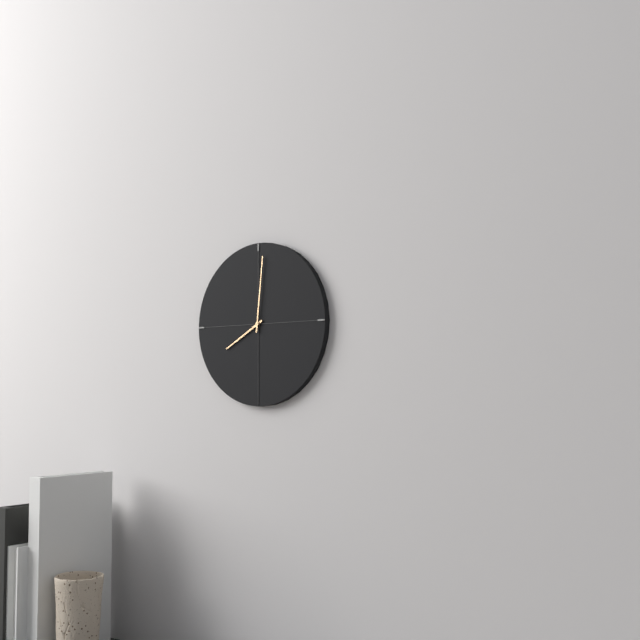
8.01
